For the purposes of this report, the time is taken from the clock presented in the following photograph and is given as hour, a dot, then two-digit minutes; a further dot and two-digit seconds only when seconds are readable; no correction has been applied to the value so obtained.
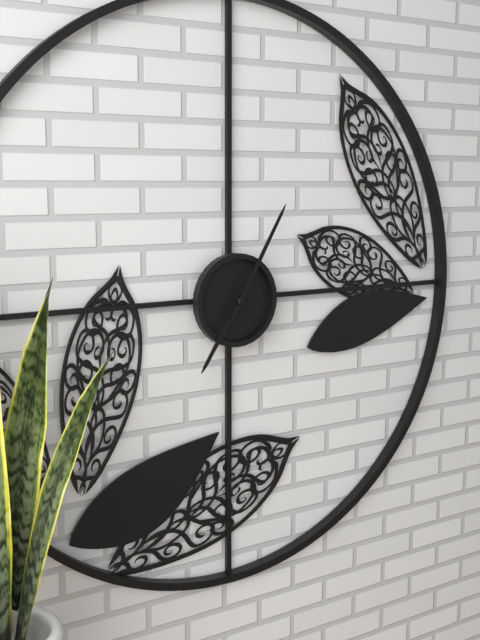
7.05
